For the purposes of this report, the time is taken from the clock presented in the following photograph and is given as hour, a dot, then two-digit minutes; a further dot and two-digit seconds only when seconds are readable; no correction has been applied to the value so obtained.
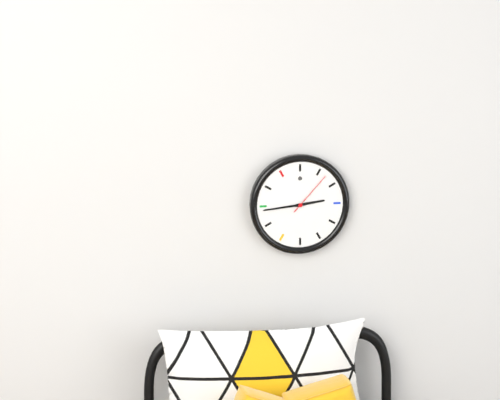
2.44
